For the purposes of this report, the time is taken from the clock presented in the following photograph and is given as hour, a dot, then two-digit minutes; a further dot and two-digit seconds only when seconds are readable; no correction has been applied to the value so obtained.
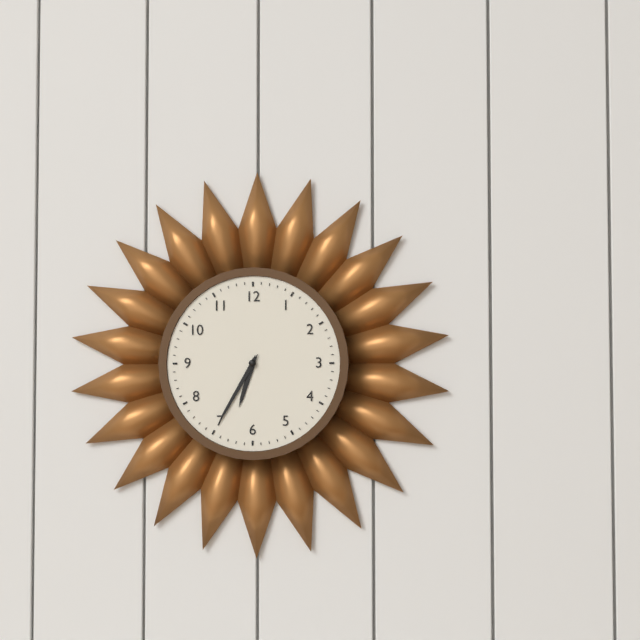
6.35
